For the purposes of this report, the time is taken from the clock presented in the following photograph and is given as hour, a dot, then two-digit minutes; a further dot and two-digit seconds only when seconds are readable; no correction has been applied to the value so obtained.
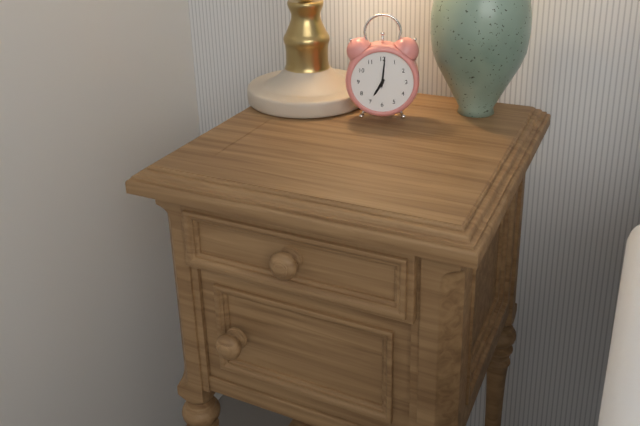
7.01
